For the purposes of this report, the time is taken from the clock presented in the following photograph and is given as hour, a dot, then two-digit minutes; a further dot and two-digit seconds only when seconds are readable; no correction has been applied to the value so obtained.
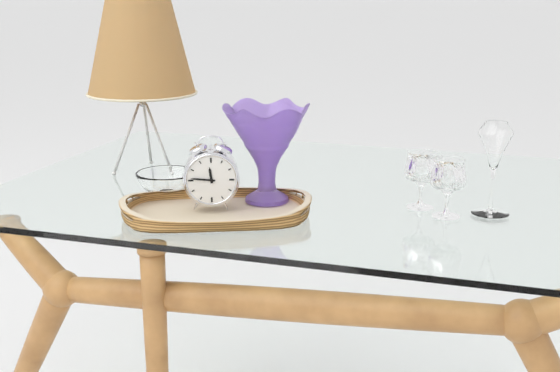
11.46
